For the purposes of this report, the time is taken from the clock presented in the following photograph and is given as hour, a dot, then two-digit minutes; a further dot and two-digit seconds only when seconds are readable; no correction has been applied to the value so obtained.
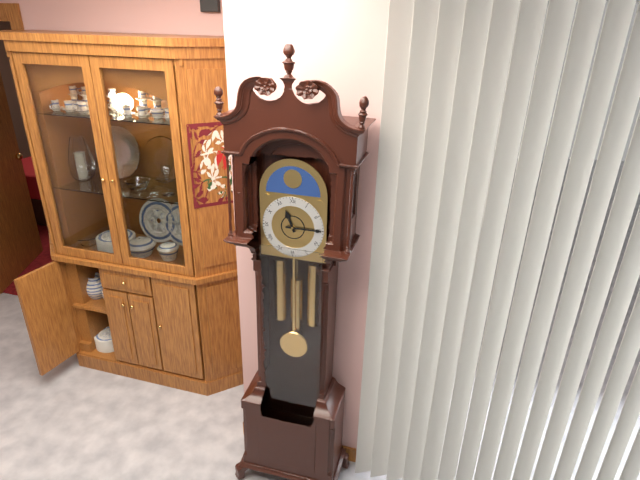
11.15
